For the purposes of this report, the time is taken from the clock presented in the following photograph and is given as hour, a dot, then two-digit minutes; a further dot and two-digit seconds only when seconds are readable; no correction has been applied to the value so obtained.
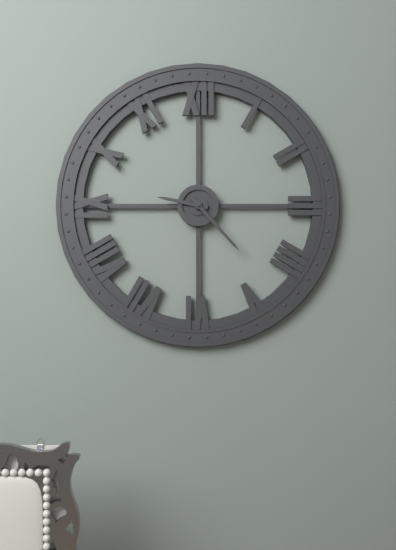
9.23
